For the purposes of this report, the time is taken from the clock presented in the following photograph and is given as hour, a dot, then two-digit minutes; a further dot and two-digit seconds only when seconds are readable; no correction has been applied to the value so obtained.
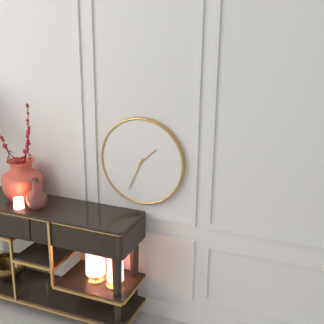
1.34
